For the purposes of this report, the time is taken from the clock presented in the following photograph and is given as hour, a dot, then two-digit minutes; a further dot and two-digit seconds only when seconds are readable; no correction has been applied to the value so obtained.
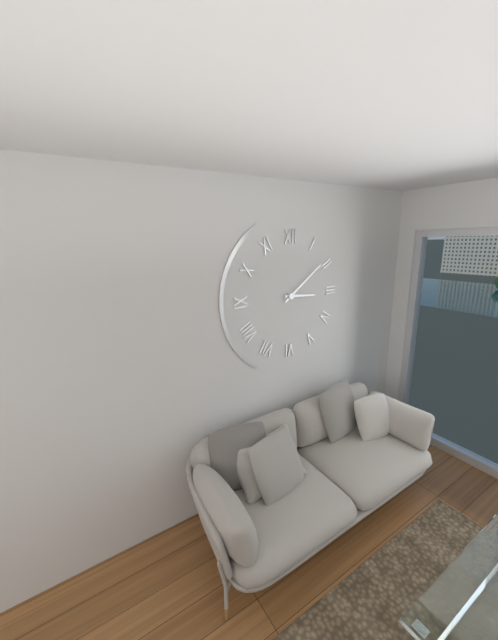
3.09
